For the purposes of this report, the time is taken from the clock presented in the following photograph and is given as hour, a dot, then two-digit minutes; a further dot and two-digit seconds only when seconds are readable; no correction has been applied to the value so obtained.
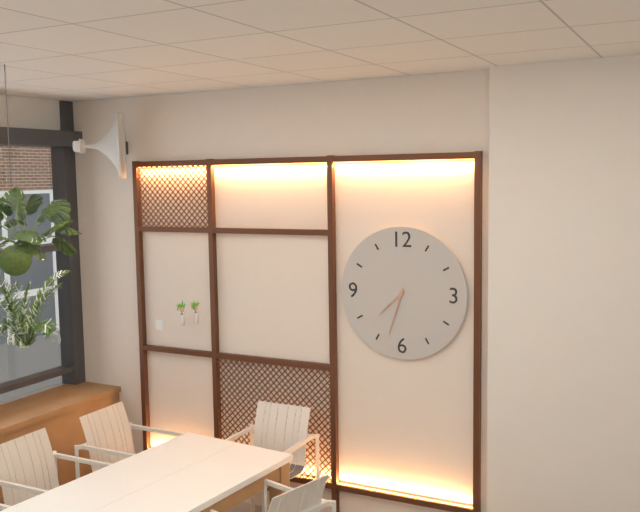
7.33
